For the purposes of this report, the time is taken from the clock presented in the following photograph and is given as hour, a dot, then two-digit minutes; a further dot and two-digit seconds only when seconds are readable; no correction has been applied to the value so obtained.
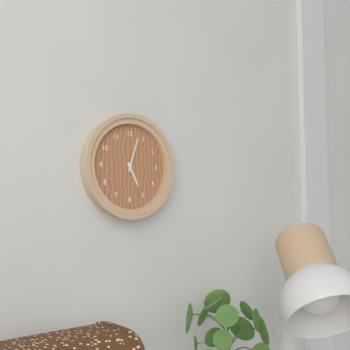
5.03
